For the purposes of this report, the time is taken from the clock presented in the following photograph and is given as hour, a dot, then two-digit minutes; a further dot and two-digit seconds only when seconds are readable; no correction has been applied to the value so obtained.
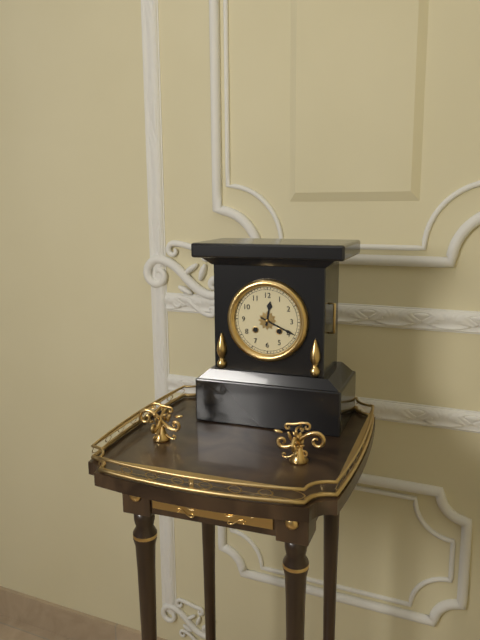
12.19
